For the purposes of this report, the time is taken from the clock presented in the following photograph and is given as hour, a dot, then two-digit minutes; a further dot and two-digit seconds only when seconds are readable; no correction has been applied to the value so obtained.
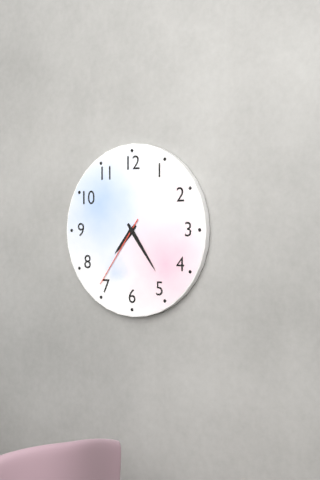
7.24.36
